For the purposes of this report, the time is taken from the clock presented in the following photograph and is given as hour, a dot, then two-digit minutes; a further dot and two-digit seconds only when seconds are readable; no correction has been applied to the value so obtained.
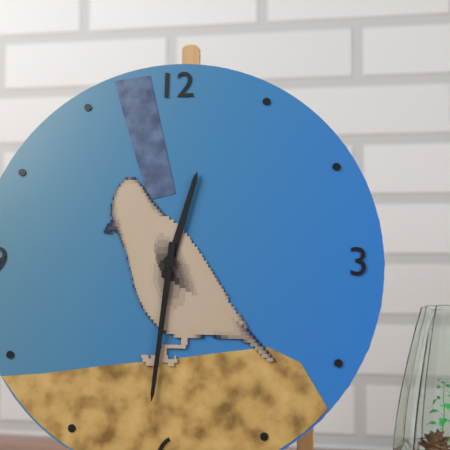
12.31
